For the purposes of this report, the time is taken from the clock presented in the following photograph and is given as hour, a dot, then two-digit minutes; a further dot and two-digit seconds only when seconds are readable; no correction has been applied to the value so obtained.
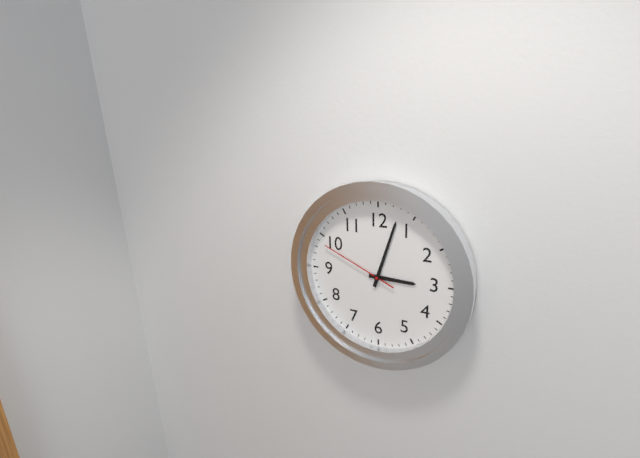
3.03.49
